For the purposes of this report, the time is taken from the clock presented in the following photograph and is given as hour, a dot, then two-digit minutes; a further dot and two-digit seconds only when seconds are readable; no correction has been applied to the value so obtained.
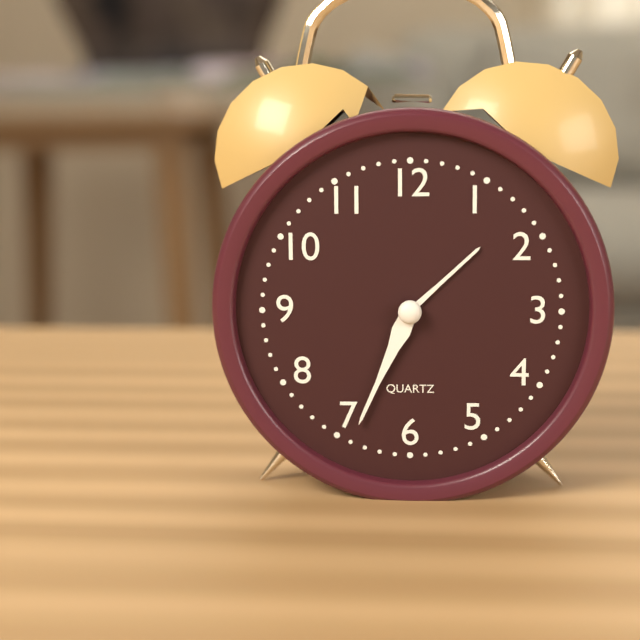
1.34
